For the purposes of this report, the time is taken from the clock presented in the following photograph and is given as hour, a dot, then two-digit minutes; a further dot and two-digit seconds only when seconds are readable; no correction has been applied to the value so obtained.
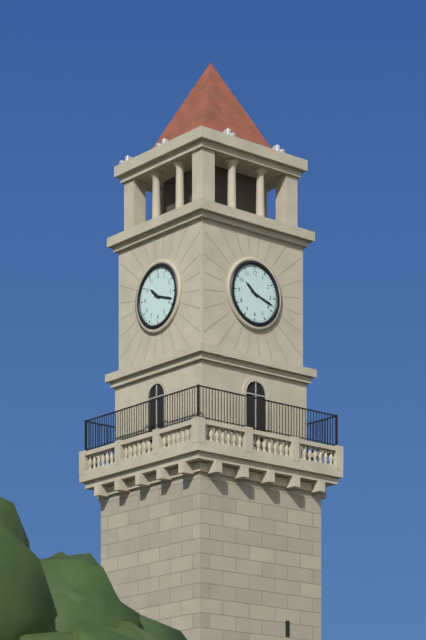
10.18
